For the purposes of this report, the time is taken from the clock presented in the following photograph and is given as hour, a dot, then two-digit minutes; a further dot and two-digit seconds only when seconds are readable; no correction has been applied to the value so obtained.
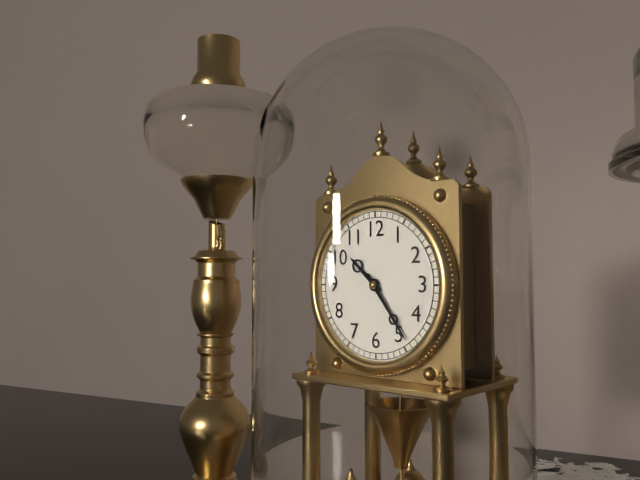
10.24
